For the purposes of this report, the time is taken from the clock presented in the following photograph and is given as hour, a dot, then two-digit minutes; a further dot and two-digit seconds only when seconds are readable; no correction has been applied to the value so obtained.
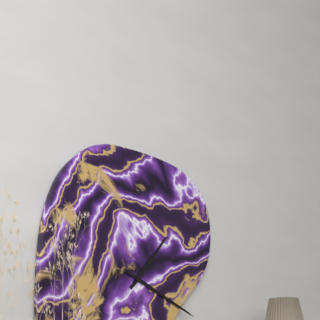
1.19
